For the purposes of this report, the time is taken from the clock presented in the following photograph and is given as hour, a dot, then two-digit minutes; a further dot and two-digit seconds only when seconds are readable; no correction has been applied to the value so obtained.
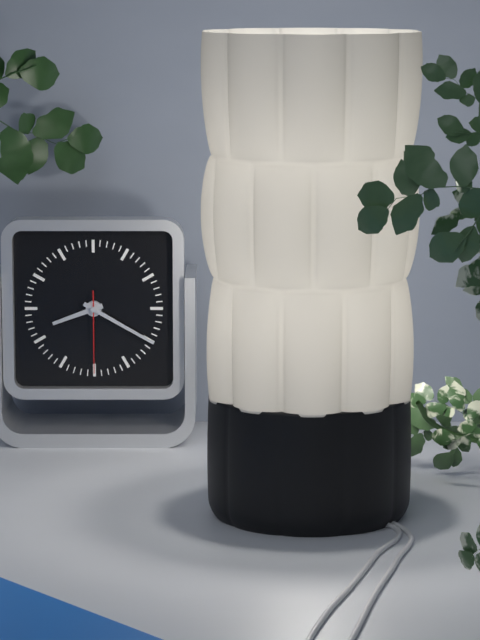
8.20.30
